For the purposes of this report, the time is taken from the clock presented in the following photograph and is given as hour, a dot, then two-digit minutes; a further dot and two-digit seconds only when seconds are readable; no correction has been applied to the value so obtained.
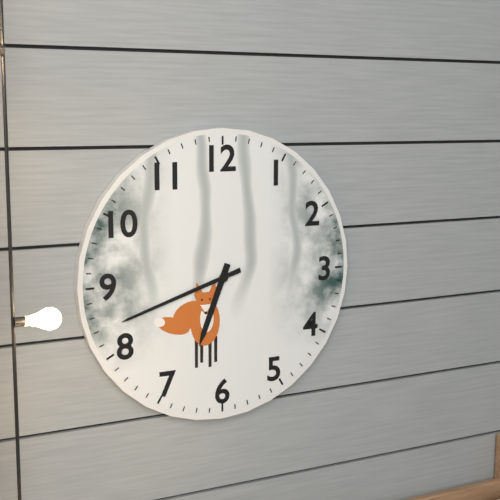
6.42
